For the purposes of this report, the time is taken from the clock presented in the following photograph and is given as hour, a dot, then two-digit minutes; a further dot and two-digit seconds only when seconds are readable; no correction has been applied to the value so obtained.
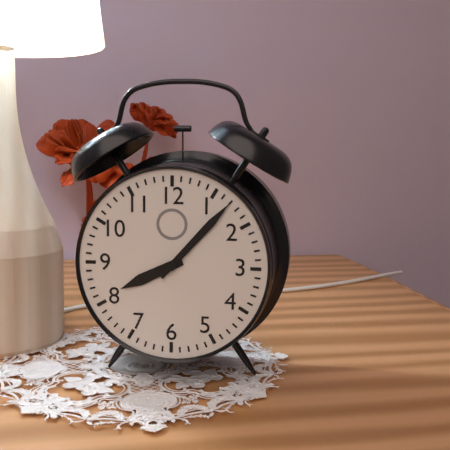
8.07
